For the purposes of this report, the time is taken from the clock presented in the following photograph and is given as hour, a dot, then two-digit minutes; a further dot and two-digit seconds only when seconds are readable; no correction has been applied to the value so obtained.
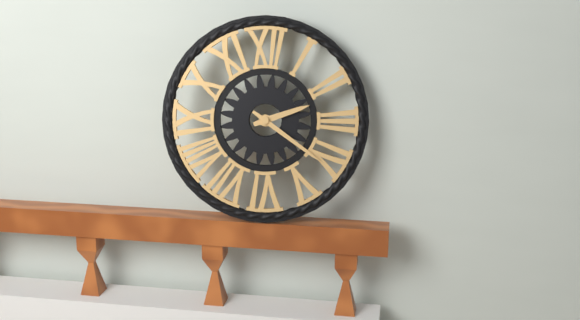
2.21
